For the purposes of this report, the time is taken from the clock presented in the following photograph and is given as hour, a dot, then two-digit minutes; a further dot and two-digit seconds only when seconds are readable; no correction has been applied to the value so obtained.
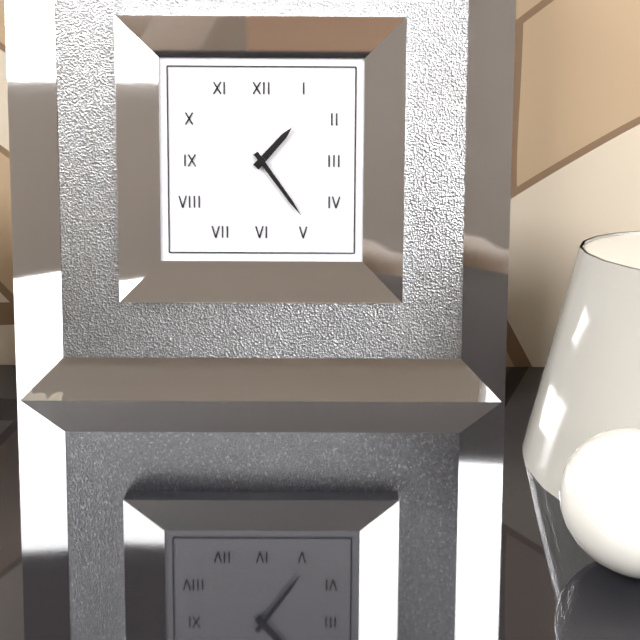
1.24
